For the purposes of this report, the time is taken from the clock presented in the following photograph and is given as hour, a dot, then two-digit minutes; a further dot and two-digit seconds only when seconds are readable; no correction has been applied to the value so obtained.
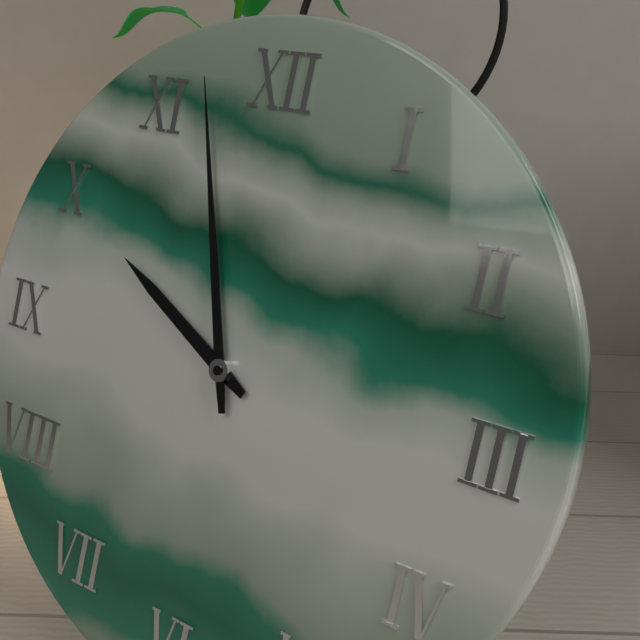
9.57
